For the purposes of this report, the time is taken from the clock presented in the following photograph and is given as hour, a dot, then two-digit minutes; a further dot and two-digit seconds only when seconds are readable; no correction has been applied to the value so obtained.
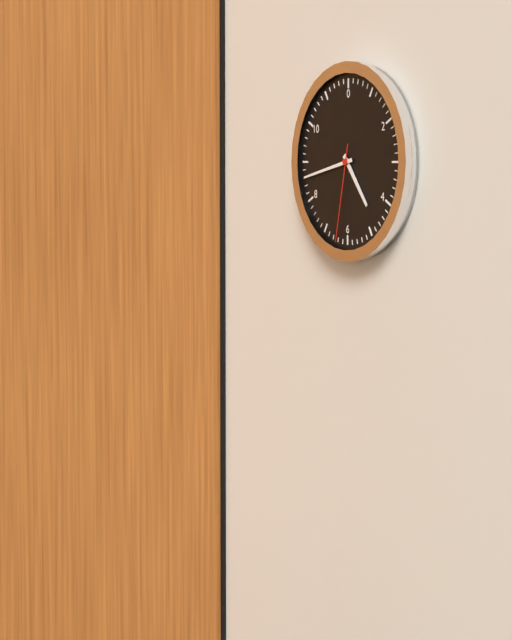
4.43.32
